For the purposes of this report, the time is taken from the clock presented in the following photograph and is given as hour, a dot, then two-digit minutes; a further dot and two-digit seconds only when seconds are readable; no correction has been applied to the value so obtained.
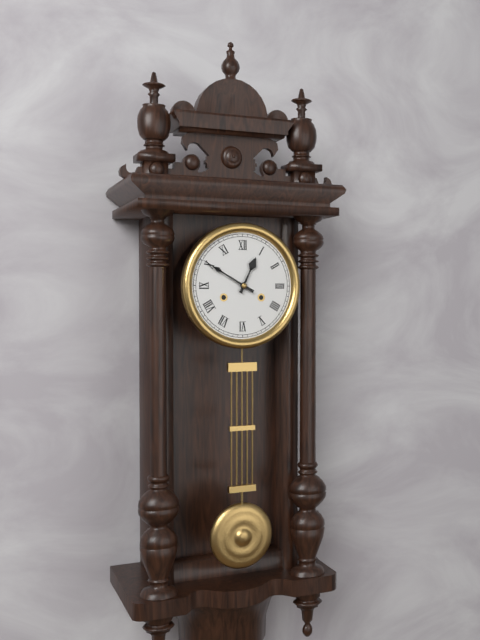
12.50
